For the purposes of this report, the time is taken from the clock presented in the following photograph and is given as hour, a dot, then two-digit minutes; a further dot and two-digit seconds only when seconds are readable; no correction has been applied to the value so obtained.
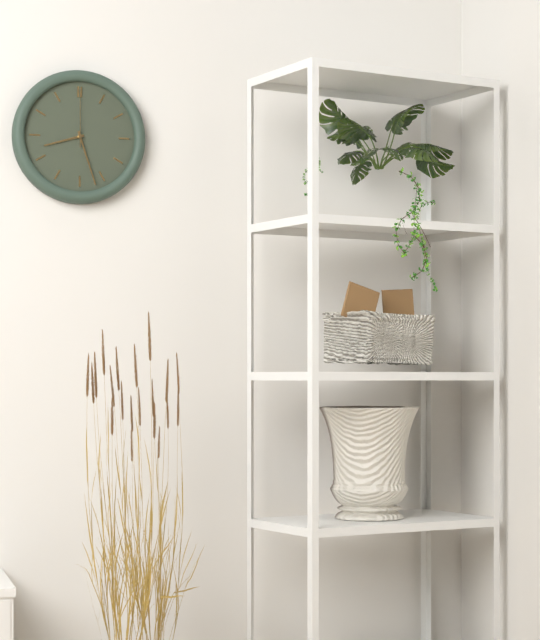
8.27.00
